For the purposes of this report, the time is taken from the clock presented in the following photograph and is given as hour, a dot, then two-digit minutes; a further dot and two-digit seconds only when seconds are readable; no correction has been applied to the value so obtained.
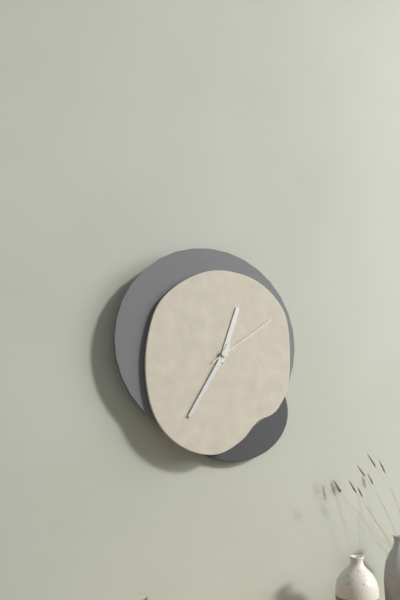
12.35.09
